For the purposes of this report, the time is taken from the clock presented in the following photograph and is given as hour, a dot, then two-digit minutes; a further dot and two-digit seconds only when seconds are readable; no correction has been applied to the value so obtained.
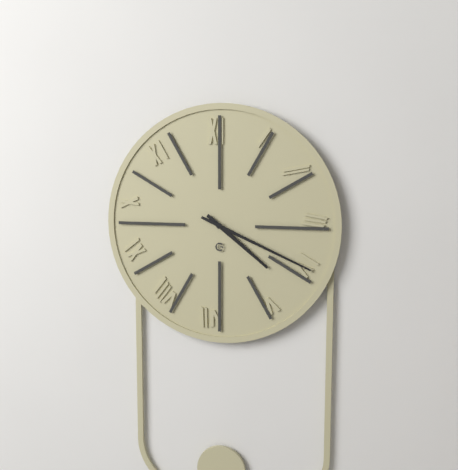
4.19
